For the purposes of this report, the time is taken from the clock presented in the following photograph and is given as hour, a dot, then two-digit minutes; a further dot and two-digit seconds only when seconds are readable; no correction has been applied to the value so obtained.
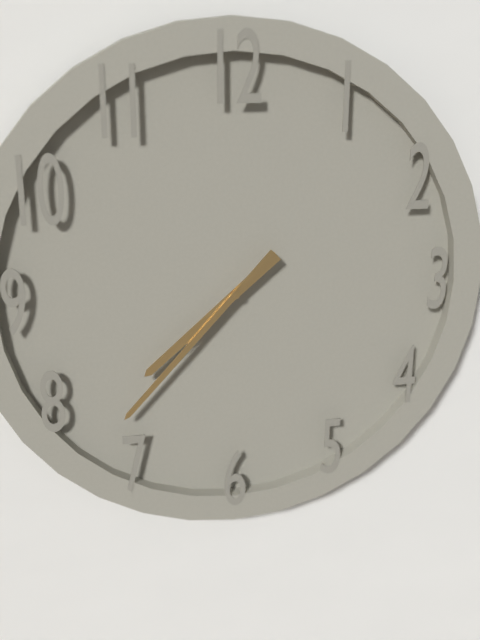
7.37
